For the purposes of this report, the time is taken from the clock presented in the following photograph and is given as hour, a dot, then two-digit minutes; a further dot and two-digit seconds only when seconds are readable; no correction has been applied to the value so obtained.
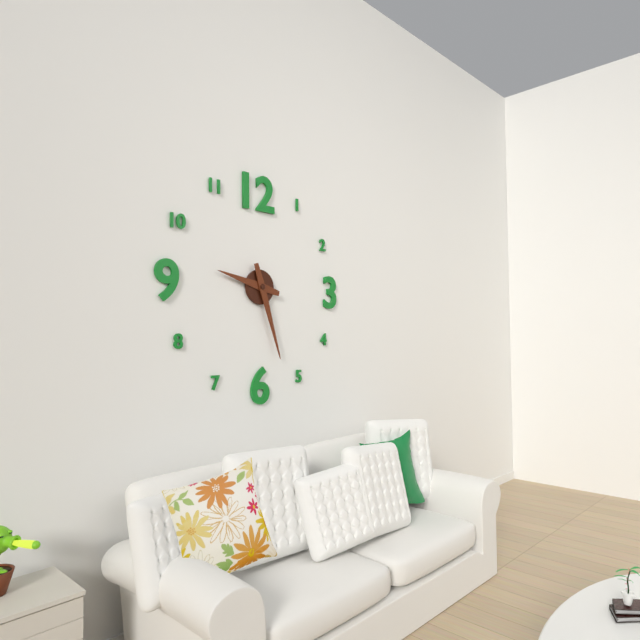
9.27
